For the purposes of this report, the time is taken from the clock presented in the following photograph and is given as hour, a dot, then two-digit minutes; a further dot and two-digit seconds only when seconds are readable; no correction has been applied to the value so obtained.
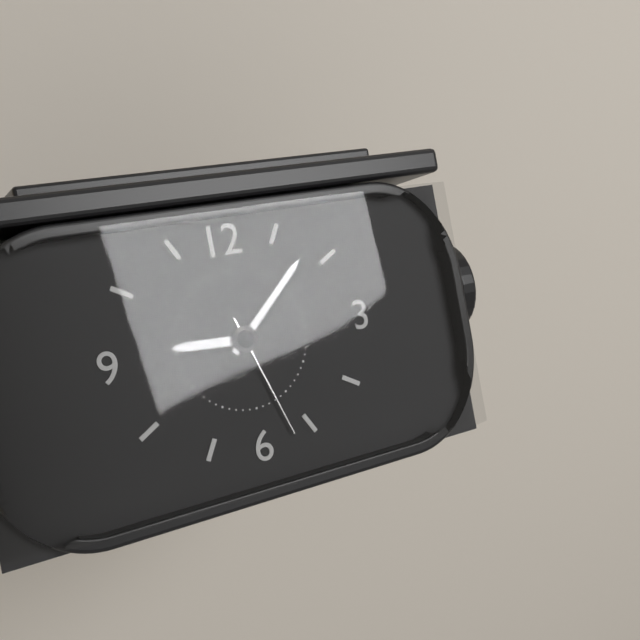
9.08.27
